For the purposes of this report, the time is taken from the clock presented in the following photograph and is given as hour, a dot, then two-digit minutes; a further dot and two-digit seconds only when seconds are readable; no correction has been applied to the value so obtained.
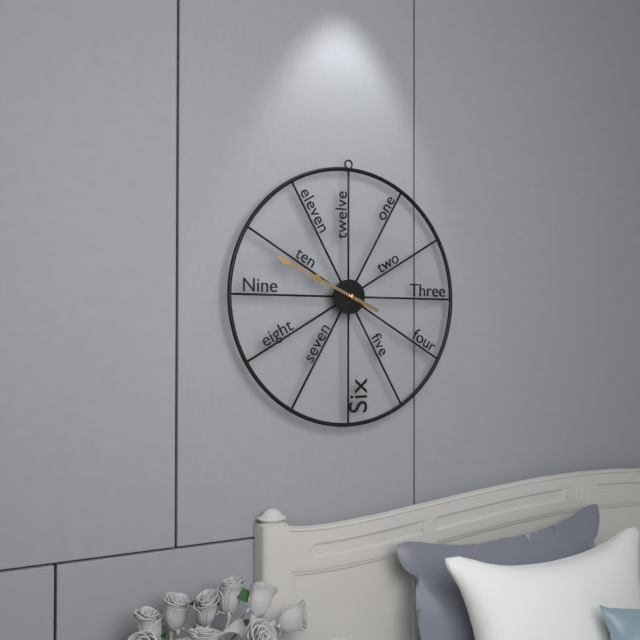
9.49
